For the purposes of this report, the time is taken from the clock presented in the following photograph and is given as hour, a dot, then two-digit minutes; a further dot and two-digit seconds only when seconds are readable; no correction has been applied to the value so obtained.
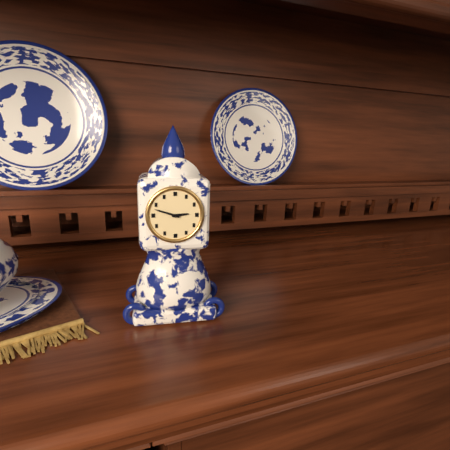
2.48
